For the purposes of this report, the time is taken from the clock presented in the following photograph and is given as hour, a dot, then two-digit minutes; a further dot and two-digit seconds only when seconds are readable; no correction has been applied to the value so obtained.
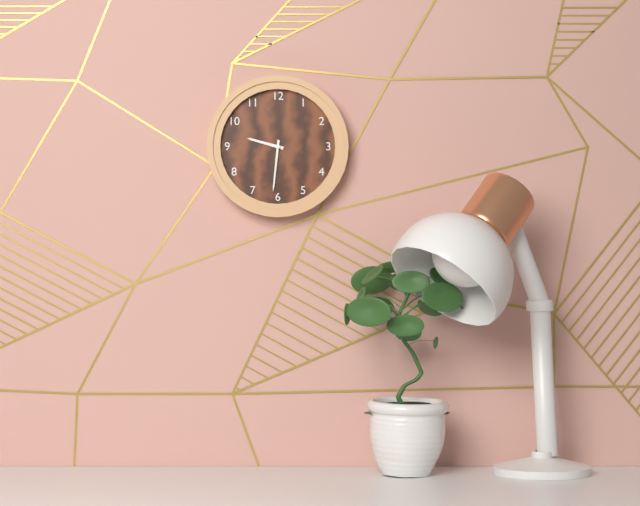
9.31
